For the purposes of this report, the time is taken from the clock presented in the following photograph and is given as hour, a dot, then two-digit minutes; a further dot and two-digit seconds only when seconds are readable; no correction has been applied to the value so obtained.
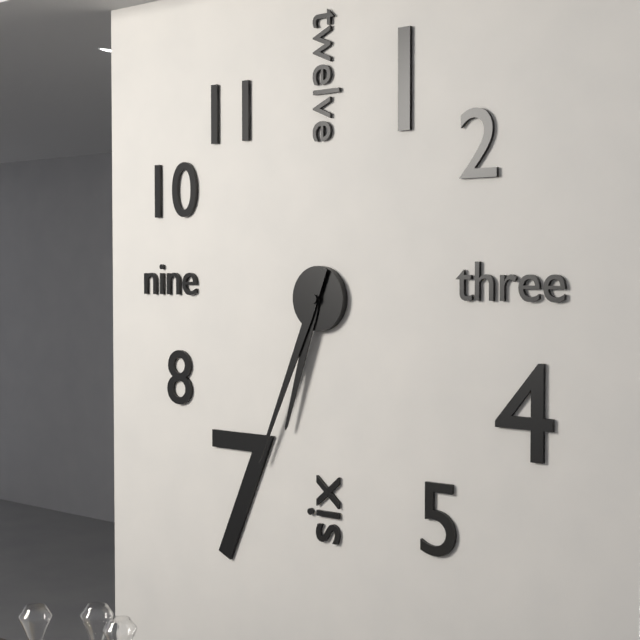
6.34
